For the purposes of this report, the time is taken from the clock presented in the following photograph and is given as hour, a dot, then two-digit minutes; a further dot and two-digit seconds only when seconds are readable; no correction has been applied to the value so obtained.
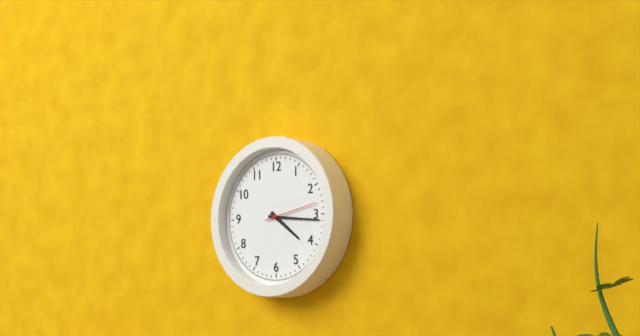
4.16.13
